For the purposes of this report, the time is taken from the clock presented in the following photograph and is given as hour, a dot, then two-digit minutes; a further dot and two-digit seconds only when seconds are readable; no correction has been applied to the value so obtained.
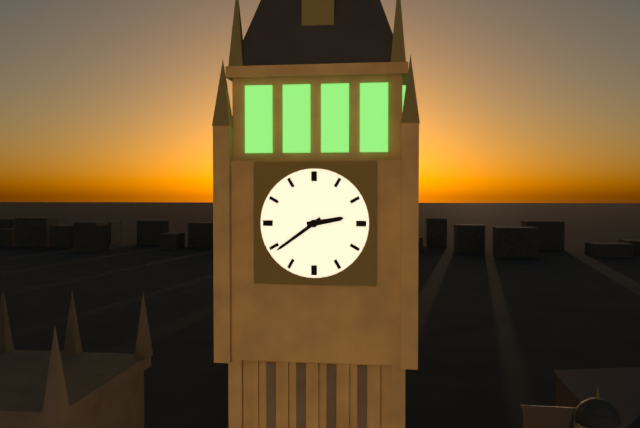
2.39
